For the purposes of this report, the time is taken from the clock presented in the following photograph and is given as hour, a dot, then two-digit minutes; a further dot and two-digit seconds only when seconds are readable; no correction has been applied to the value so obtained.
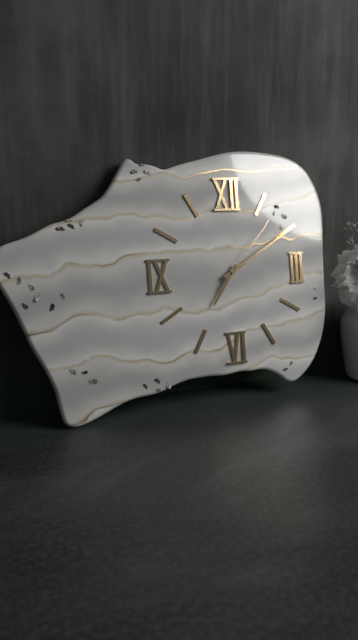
7.10.07
